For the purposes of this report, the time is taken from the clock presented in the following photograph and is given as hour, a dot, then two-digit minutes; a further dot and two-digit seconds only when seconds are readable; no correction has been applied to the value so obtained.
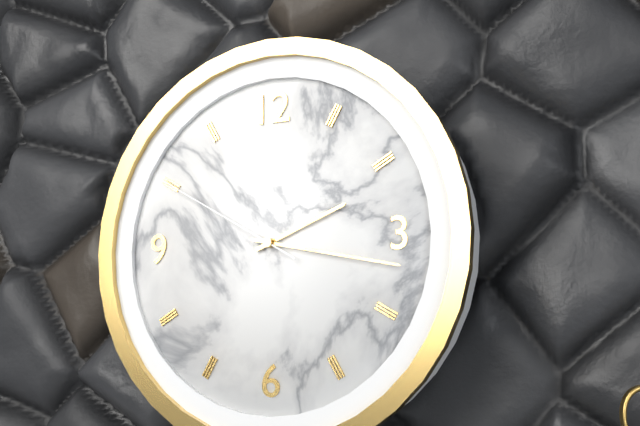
2.17.50
